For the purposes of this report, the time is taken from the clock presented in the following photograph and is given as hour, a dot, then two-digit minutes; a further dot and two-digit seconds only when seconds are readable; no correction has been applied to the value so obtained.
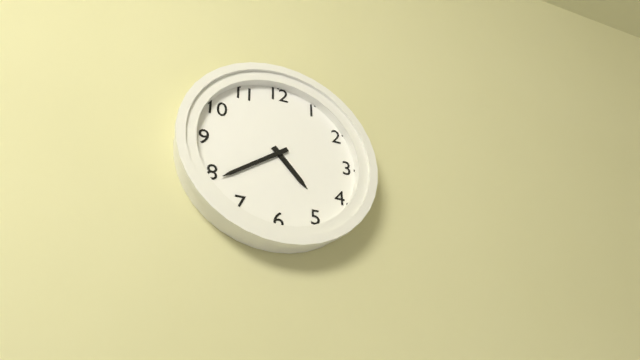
4.39
